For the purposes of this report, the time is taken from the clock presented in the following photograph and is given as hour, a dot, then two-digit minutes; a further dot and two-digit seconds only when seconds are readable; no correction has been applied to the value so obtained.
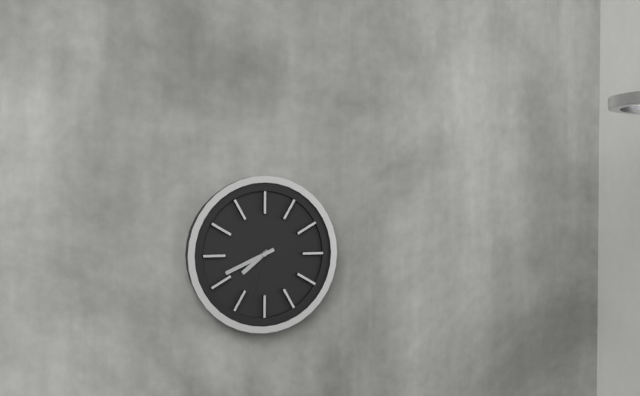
7.41.33
